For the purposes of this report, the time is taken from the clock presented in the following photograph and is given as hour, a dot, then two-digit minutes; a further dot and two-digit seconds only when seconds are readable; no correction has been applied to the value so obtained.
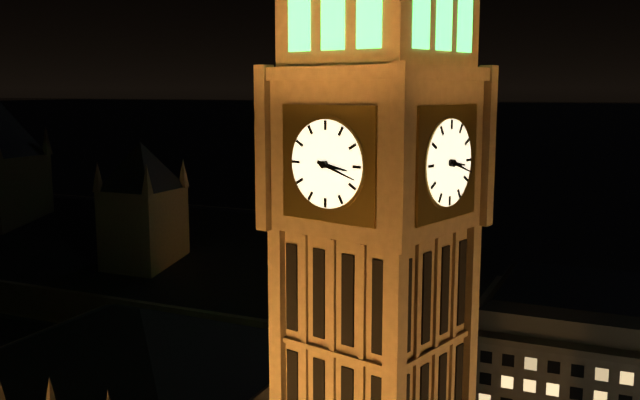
3.18
